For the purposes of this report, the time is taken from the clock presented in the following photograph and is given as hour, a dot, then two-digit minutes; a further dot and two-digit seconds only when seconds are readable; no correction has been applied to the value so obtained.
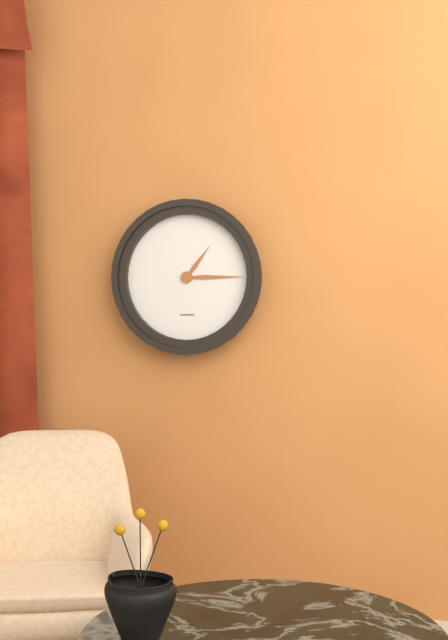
1.15
